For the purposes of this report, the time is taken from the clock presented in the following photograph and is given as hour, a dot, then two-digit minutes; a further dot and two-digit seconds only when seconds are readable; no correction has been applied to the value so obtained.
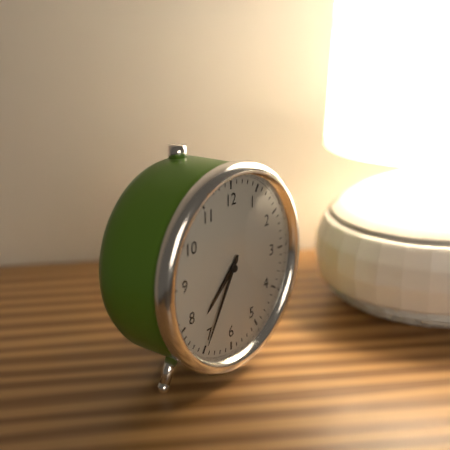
7.35
